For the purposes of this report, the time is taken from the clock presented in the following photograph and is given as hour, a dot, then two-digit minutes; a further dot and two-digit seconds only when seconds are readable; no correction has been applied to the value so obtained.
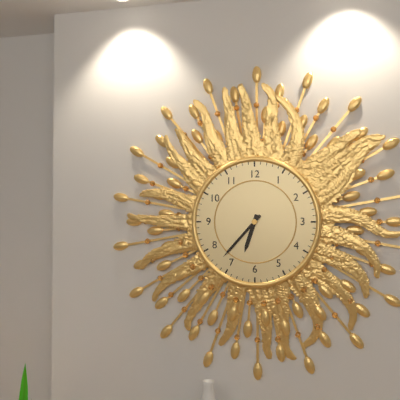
6.37
